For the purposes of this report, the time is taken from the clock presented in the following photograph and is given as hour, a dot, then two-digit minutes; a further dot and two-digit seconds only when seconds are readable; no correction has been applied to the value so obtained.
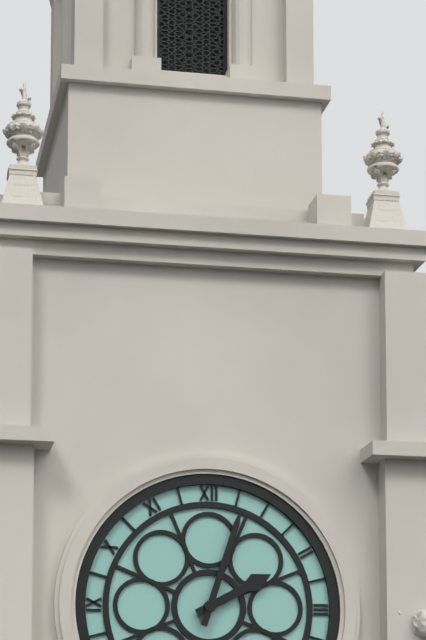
2.03
